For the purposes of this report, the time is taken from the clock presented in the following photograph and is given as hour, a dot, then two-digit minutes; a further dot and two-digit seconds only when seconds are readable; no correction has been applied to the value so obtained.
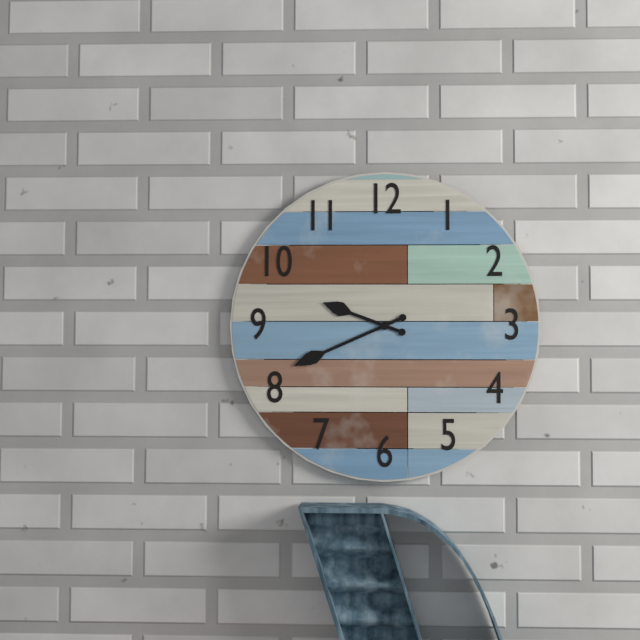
9.41
